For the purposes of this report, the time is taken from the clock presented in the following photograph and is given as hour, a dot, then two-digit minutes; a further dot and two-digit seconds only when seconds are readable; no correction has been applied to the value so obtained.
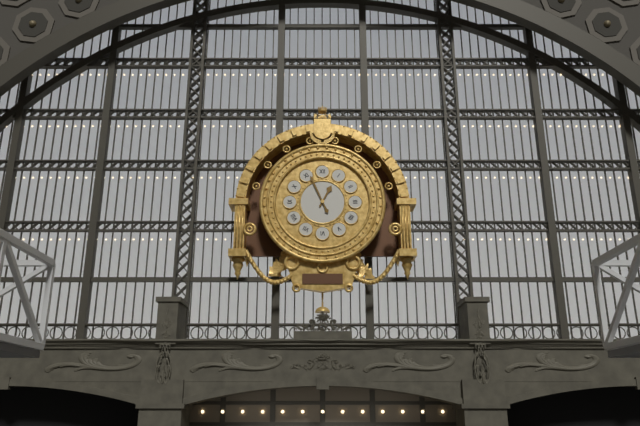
12.56
